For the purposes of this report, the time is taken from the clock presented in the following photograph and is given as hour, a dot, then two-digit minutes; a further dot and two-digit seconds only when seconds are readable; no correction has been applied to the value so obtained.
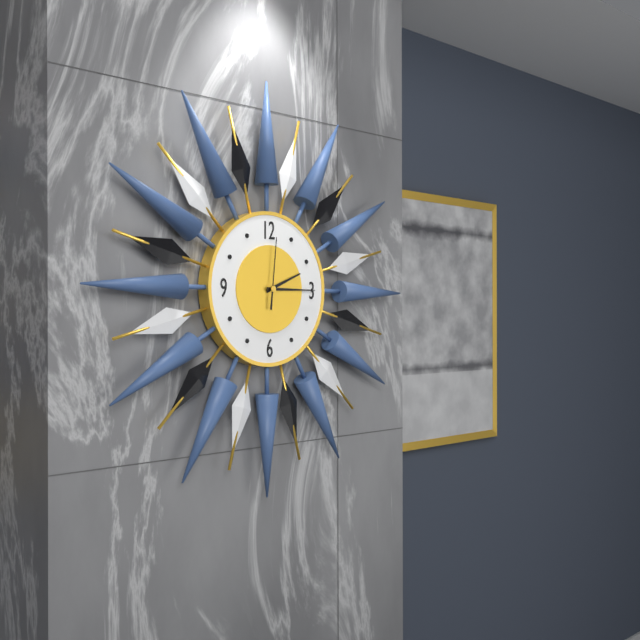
2.15.01
